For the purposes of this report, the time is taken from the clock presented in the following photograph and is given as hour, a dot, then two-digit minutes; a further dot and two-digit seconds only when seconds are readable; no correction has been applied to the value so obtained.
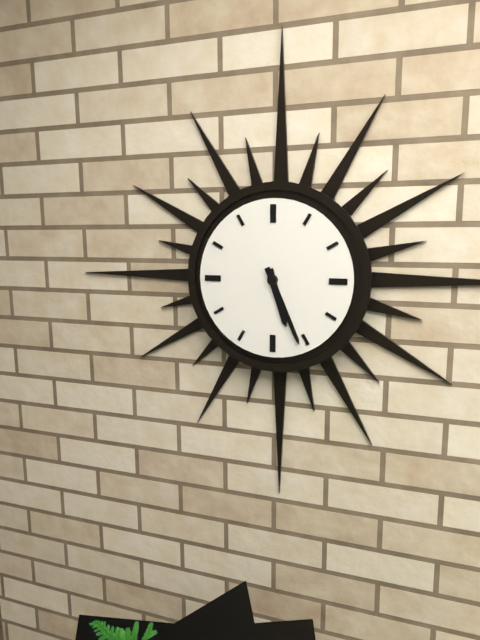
5.26
